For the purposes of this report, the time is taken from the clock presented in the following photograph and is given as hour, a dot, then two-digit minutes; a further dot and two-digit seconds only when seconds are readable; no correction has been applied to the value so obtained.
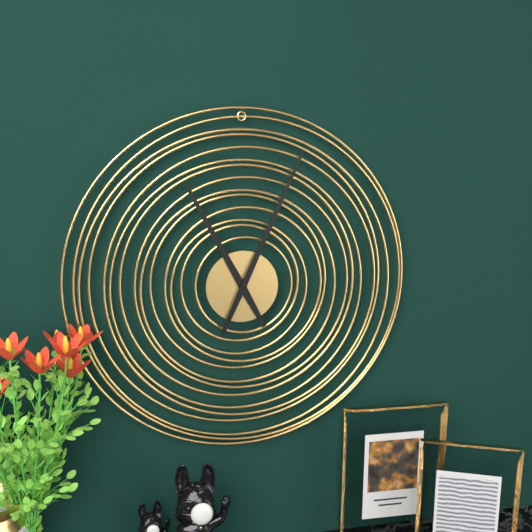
11.04
